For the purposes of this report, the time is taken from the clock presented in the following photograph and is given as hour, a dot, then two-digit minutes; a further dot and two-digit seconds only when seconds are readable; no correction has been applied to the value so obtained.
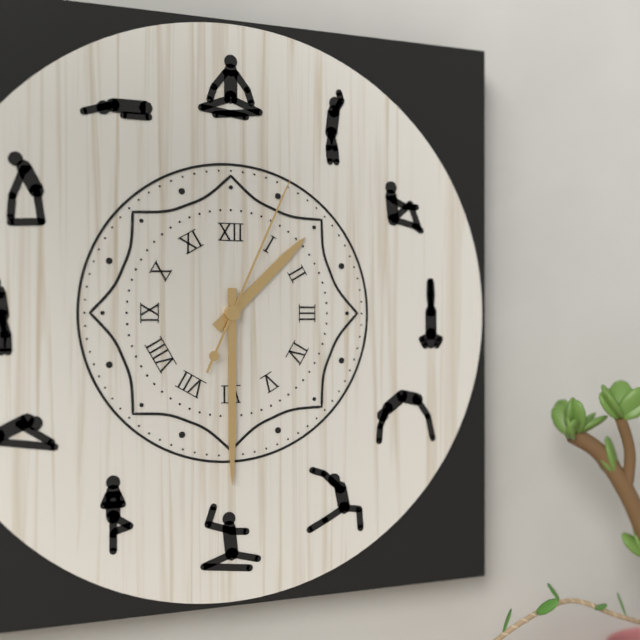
1.30.04
